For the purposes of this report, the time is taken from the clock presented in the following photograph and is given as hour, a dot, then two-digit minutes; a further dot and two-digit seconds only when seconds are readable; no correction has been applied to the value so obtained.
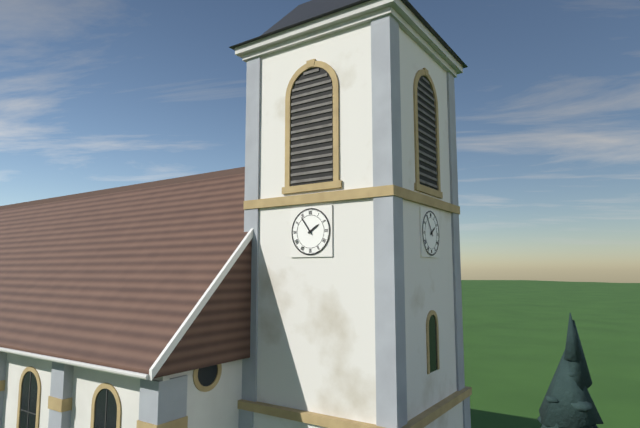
1.54
